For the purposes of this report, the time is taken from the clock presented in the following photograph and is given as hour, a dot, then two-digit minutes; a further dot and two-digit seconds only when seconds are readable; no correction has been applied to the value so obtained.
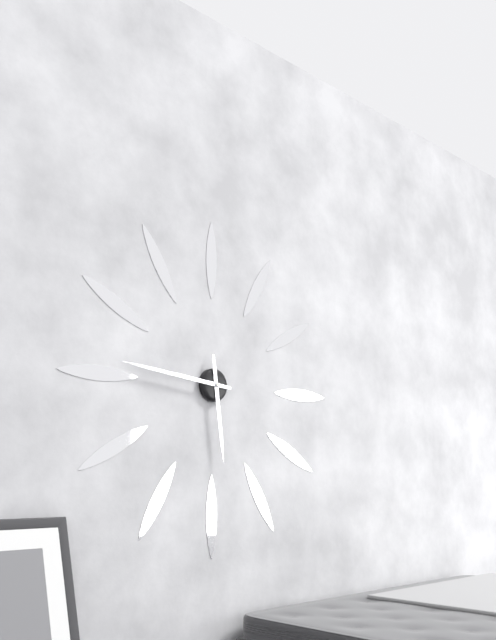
5.46
